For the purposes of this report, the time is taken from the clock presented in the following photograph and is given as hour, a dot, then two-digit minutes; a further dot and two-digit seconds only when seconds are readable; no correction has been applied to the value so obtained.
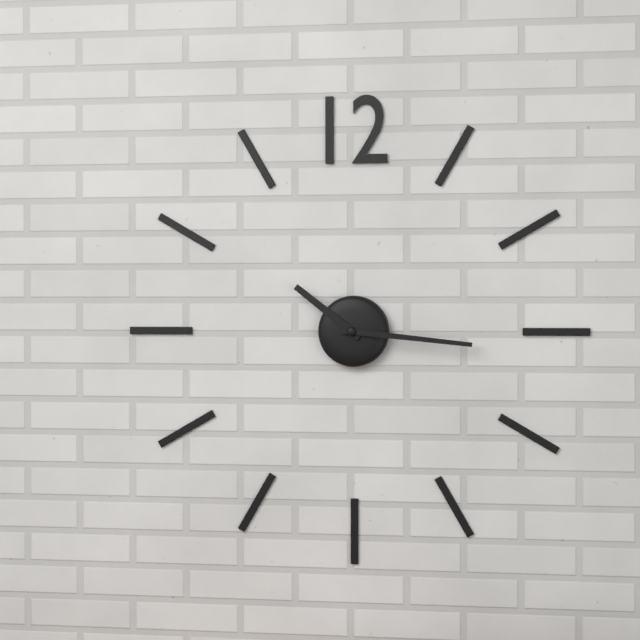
10.16
